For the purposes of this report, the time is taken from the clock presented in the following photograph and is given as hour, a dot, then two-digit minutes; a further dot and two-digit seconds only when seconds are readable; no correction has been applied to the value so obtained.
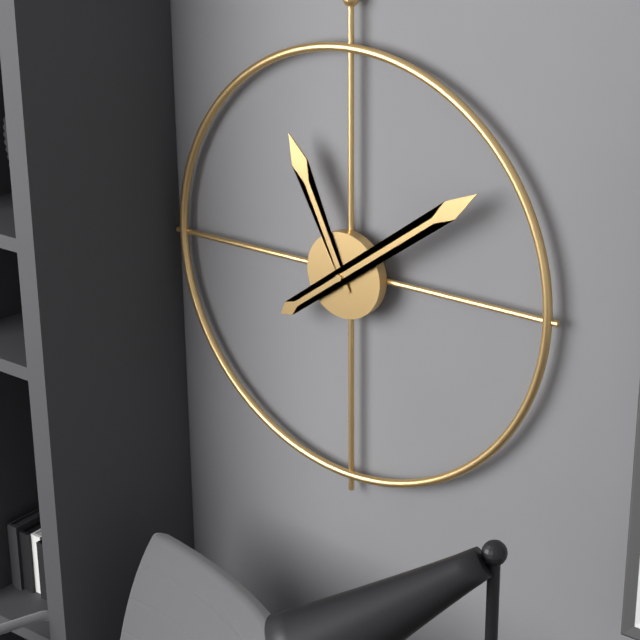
11.09
